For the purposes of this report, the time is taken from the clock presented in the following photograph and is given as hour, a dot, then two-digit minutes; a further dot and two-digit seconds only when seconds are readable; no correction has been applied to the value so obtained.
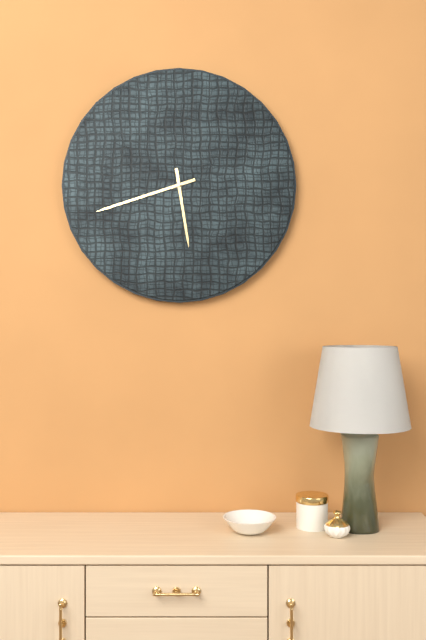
5.42
